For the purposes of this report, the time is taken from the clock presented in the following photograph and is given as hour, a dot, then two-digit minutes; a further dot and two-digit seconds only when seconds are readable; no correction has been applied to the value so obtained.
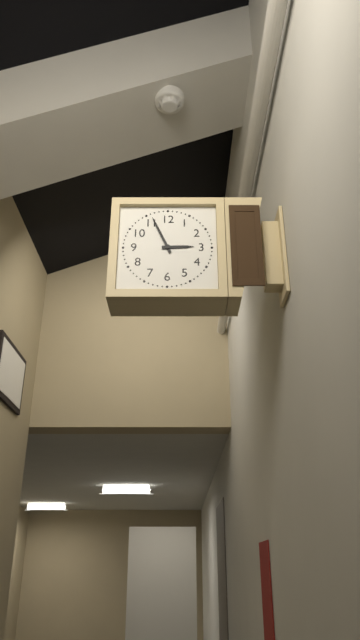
2.56
